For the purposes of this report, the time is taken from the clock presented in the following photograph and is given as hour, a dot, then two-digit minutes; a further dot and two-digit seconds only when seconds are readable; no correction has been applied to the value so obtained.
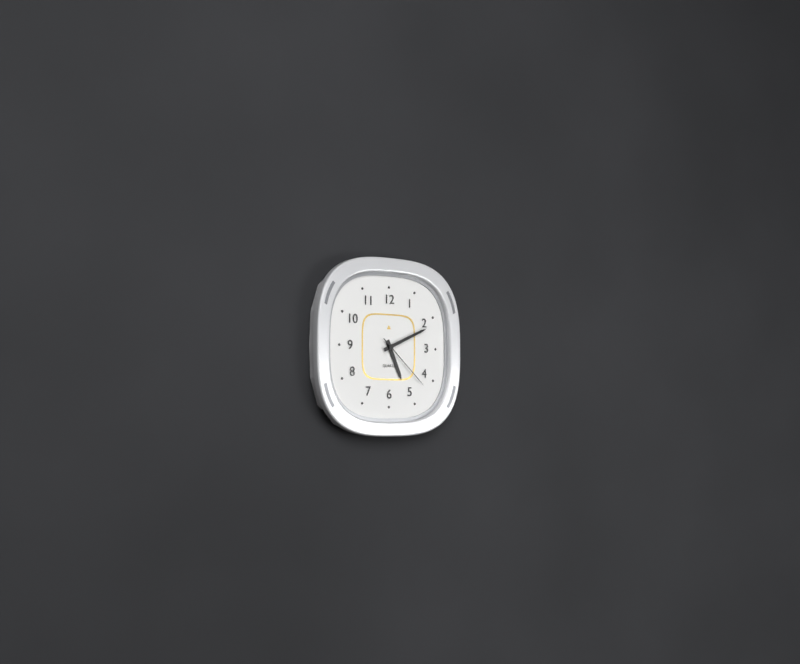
5.11.22
